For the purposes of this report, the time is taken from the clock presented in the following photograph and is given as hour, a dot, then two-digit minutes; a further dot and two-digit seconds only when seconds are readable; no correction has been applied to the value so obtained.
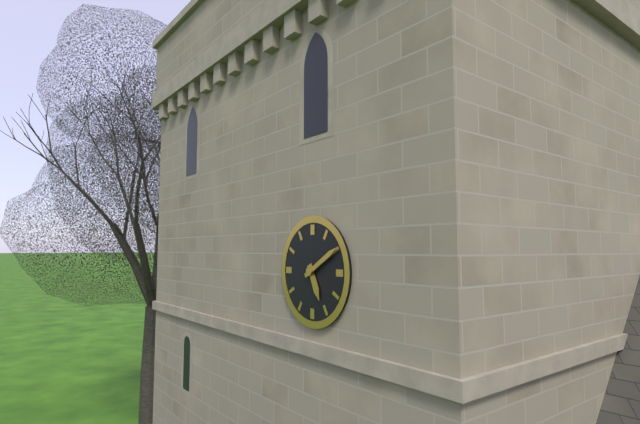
5.10
